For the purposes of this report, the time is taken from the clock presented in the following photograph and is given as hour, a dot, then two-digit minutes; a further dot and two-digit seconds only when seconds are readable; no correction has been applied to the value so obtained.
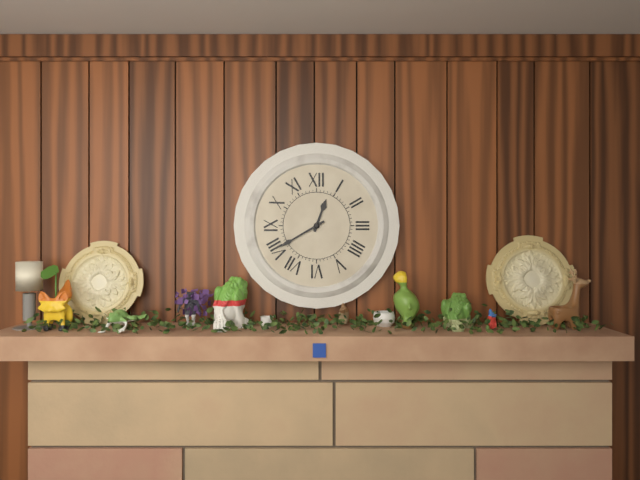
12.40
